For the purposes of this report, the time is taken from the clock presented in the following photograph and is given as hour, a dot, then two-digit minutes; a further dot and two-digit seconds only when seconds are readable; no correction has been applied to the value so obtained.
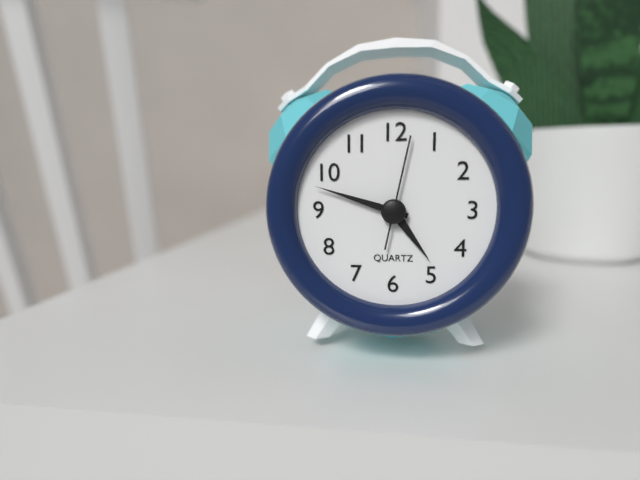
4.48.02
